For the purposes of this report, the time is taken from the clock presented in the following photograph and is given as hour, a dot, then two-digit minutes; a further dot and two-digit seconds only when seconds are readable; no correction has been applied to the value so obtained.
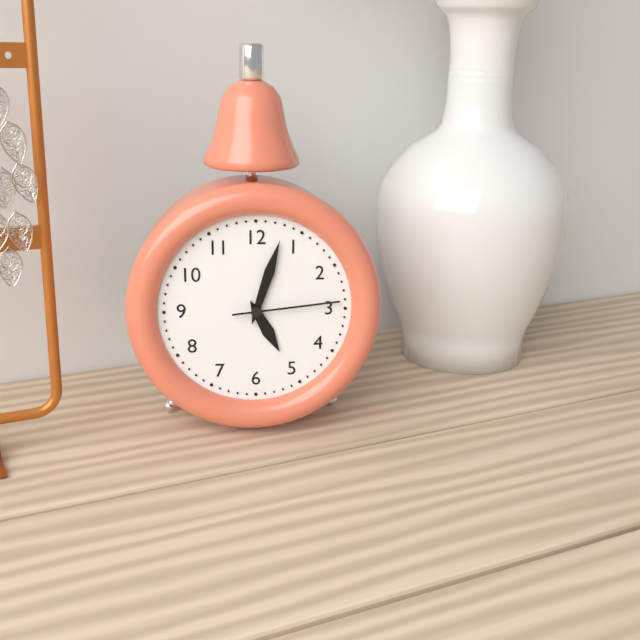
5.03.14
